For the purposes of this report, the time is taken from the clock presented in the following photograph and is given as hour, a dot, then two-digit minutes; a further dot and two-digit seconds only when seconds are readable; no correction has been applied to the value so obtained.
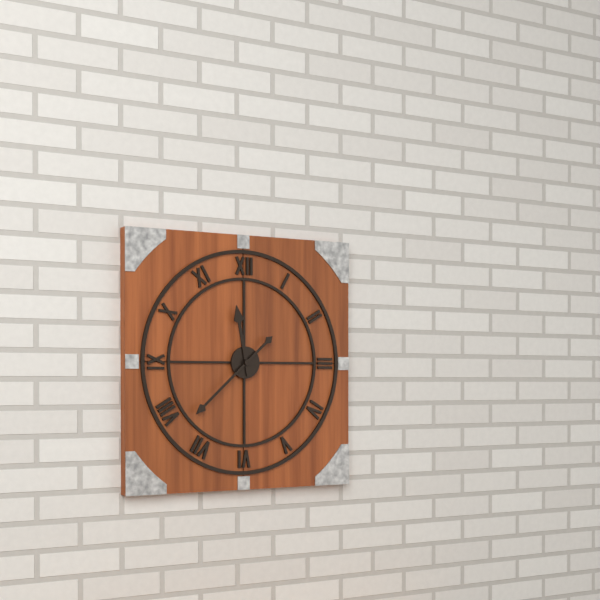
11.38
